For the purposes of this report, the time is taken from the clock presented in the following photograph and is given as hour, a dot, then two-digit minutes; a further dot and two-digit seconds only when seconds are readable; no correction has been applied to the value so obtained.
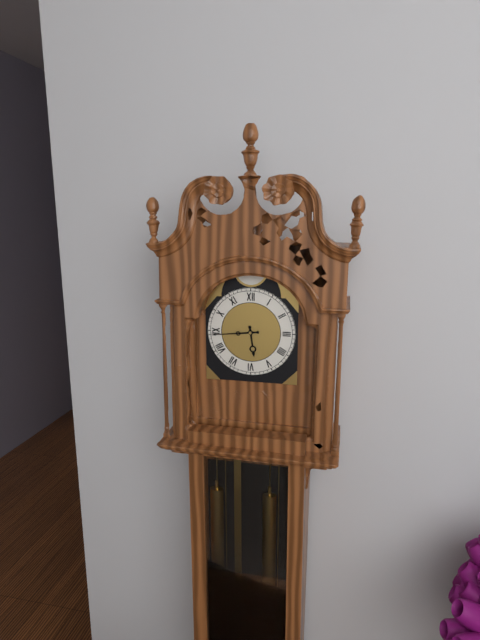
5.44
